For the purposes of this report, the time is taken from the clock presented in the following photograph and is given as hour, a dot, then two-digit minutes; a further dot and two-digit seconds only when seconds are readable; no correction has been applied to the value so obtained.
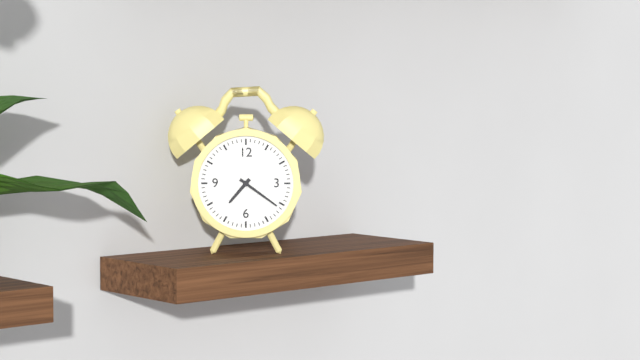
7.21
